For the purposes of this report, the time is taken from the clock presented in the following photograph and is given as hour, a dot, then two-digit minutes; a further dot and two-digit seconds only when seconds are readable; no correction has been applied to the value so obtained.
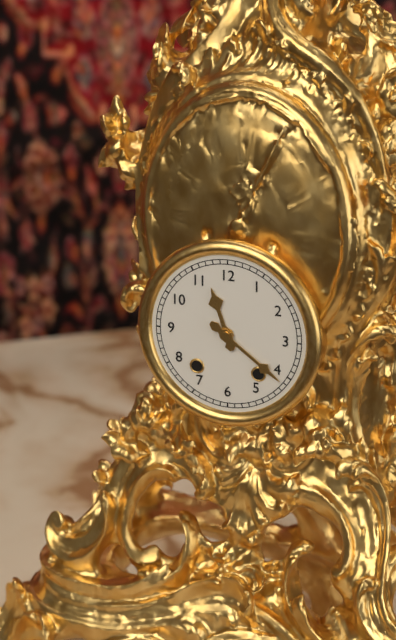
11.21
